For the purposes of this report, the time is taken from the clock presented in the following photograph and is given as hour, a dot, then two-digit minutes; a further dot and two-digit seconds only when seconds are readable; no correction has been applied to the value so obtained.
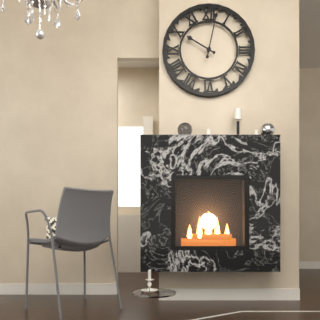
10.02
